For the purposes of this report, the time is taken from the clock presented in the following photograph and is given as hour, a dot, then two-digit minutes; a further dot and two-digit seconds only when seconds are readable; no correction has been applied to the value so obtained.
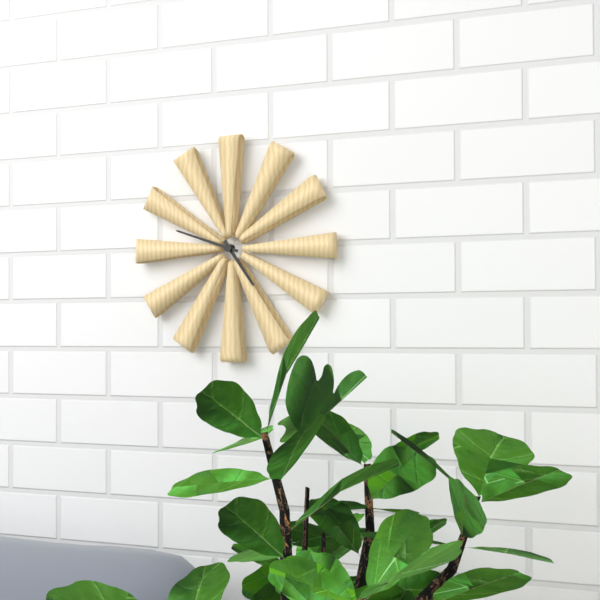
4.48
